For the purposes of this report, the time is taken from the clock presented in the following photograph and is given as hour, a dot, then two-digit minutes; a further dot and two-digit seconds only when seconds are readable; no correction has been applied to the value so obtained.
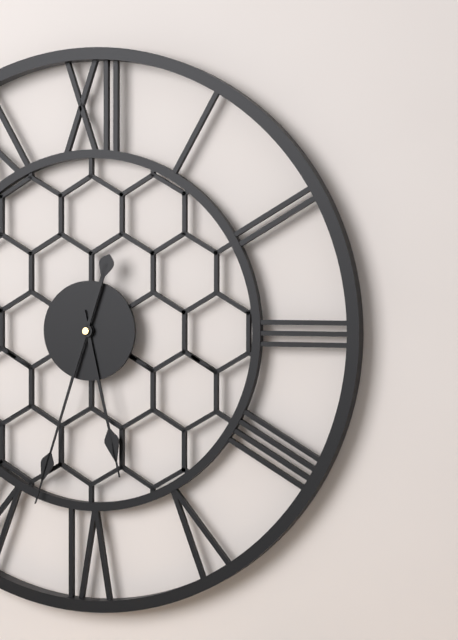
5.33
